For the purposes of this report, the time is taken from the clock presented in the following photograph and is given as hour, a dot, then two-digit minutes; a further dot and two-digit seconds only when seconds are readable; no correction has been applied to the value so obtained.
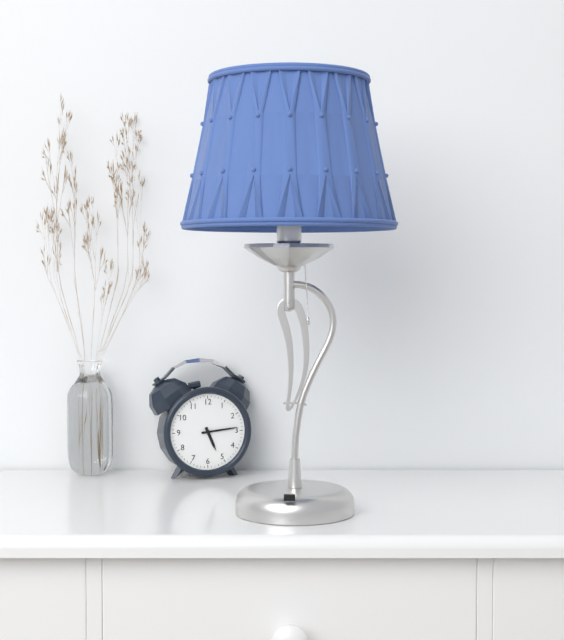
5.14
